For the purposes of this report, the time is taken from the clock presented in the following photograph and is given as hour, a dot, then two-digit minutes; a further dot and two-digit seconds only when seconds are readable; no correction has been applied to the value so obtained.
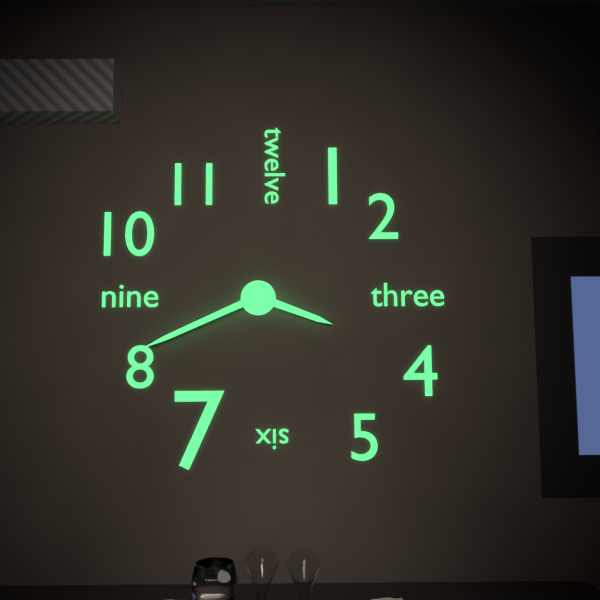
3.41
